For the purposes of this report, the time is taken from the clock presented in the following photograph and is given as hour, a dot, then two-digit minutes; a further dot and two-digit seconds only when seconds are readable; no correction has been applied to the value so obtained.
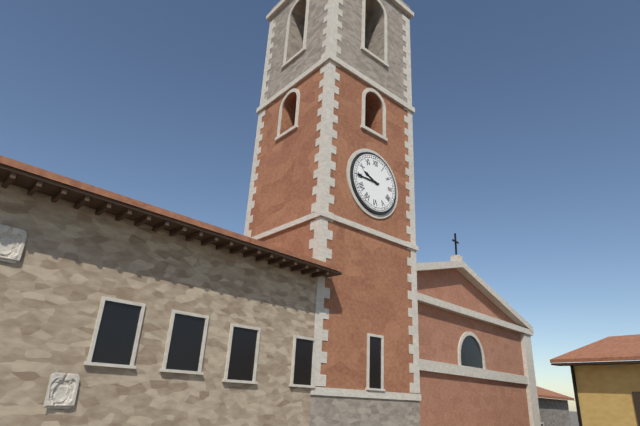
9.45
